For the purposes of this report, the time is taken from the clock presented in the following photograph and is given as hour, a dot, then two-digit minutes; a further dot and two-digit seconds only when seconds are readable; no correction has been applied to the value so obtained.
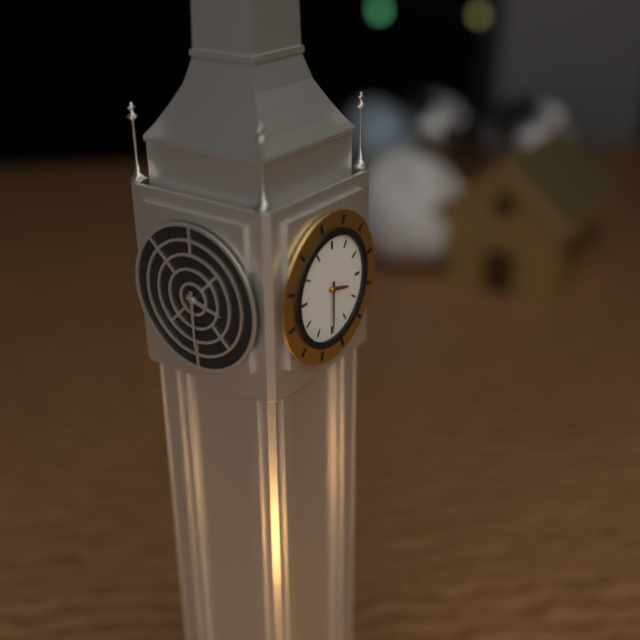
3.30
